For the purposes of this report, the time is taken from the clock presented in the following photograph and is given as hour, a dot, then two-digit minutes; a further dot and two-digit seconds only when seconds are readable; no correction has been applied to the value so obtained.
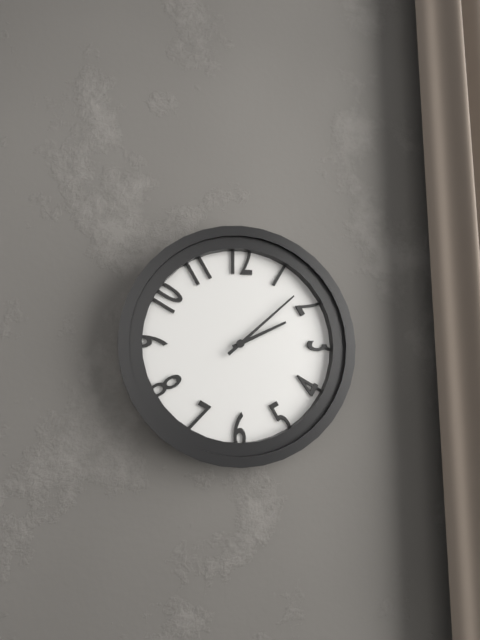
2.08
